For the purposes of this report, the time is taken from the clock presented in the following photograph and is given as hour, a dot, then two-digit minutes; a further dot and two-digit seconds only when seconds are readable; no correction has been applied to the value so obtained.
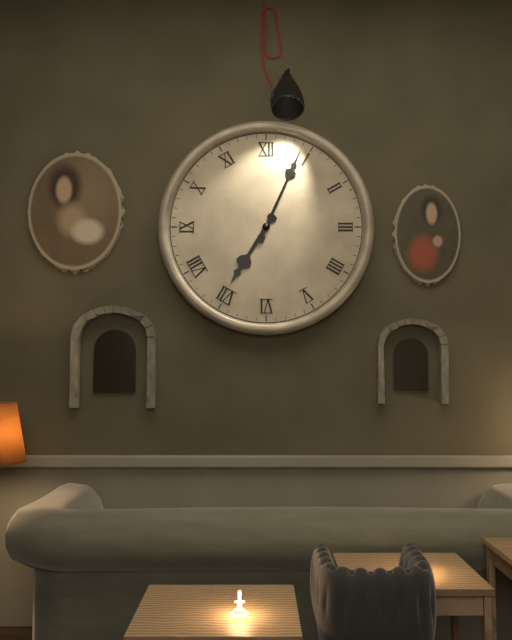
7.04
